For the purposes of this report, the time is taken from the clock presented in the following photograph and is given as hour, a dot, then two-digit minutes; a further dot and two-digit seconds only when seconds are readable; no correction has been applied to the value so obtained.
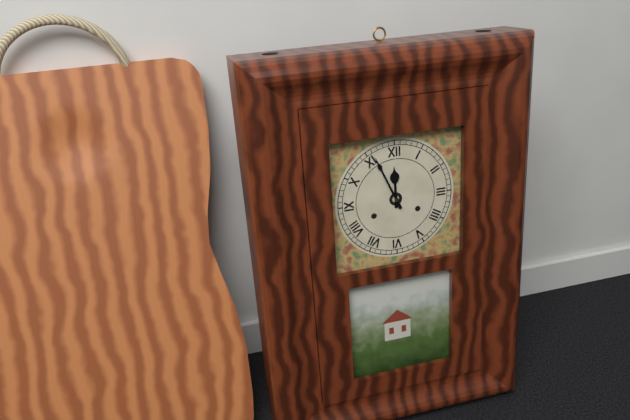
11.56
